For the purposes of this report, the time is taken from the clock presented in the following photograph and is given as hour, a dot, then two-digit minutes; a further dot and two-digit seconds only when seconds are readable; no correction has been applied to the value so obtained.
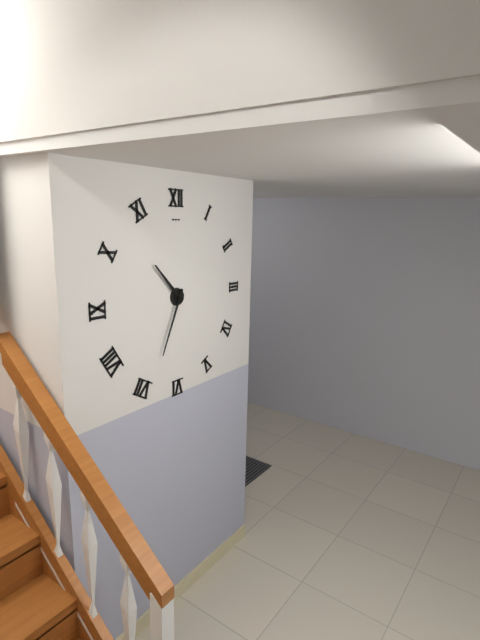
10.34
